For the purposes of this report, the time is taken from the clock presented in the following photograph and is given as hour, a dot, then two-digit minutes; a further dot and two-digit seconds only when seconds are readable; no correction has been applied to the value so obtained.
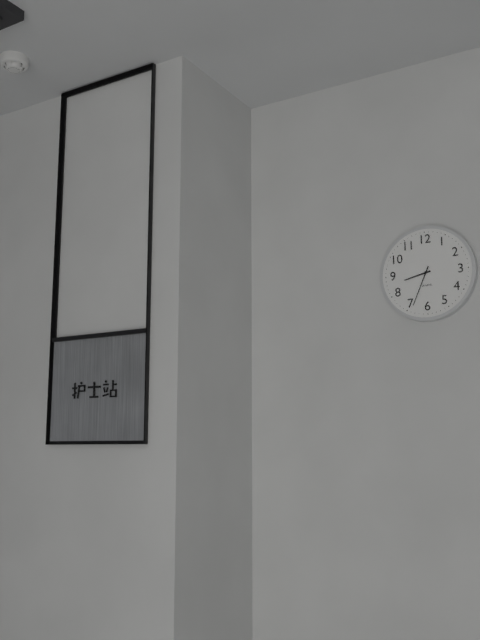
8.34
